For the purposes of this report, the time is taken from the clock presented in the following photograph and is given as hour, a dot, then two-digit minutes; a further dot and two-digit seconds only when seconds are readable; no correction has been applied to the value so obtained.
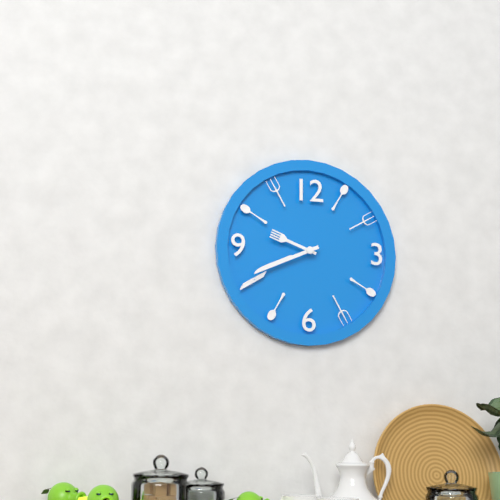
9.41
